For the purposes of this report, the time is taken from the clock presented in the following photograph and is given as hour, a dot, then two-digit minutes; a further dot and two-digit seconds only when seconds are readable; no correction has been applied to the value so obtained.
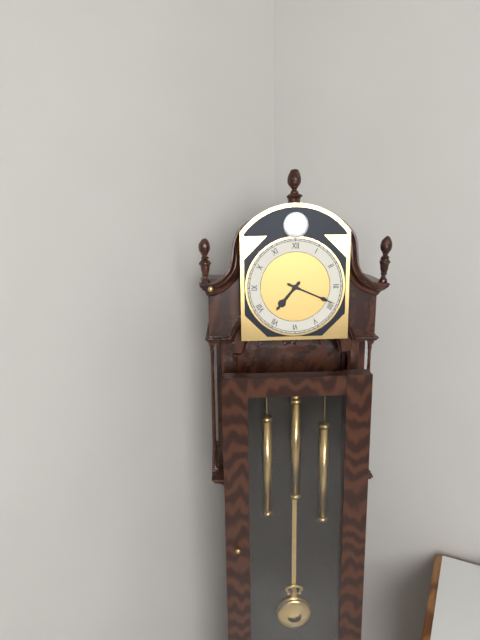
7.19
